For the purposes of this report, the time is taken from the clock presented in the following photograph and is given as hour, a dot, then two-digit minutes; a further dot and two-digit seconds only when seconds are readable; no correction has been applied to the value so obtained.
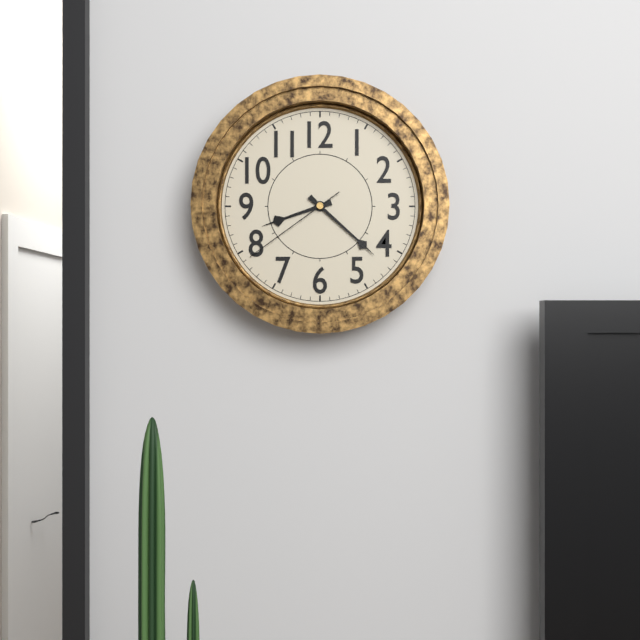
8.22.39
